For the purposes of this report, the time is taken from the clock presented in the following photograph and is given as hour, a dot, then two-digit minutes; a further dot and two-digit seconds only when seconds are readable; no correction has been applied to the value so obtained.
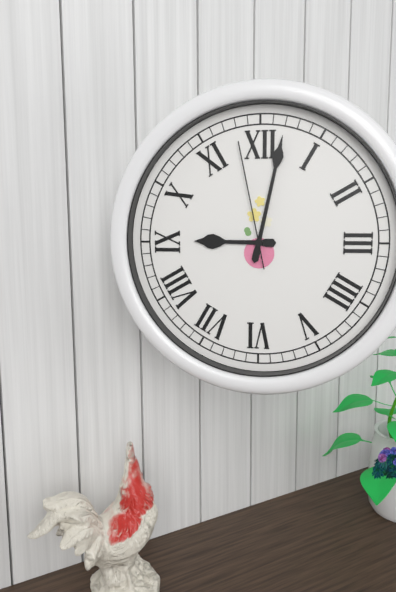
9.02.58
